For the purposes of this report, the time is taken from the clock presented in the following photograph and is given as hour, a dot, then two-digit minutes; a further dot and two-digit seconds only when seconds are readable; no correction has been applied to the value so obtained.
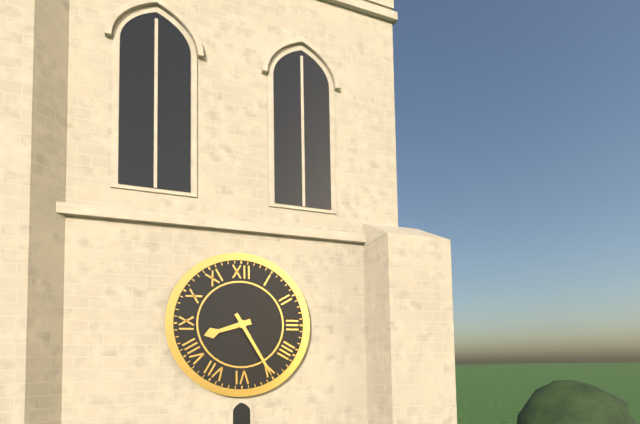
8.25
